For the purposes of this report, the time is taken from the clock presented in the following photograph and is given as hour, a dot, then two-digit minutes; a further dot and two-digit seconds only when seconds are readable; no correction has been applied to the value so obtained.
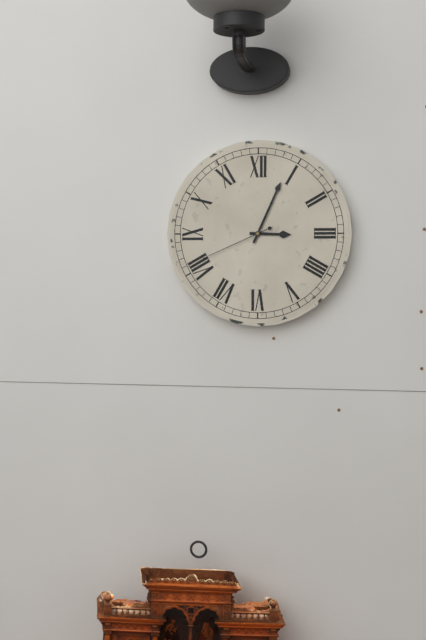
3.04.41
